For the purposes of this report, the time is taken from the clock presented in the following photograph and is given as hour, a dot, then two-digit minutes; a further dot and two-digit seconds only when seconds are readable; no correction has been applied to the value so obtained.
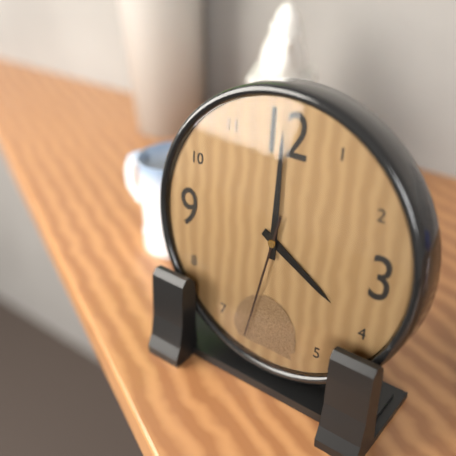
4.00.32
